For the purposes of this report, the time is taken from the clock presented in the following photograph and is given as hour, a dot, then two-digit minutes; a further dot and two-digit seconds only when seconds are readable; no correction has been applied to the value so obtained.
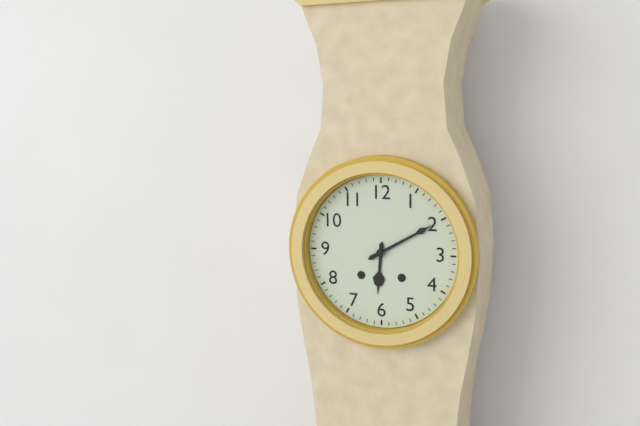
6.10
